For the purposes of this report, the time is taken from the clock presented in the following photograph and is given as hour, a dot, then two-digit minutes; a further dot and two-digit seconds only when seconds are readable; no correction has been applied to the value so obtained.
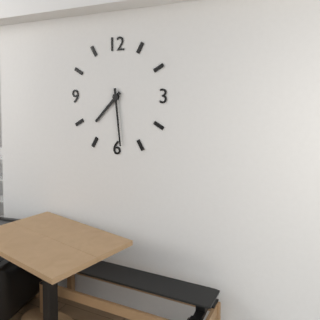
7.29
